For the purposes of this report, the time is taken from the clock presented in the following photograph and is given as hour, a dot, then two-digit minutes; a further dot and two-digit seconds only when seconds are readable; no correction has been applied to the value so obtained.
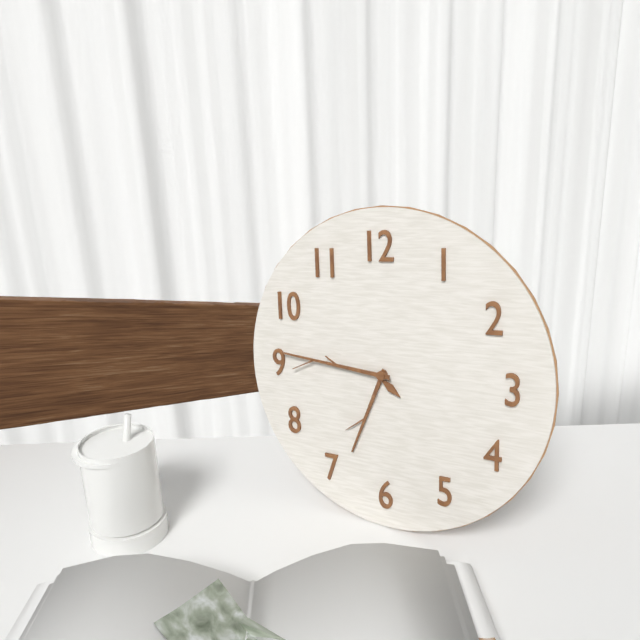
6.46
